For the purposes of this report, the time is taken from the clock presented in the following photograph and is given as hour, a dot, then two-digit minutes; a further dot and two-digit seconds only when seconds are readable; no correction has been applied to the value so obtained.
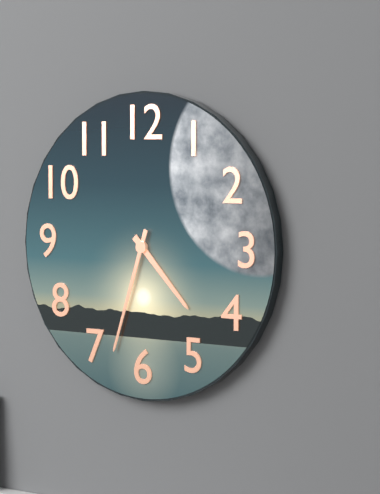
4.33
